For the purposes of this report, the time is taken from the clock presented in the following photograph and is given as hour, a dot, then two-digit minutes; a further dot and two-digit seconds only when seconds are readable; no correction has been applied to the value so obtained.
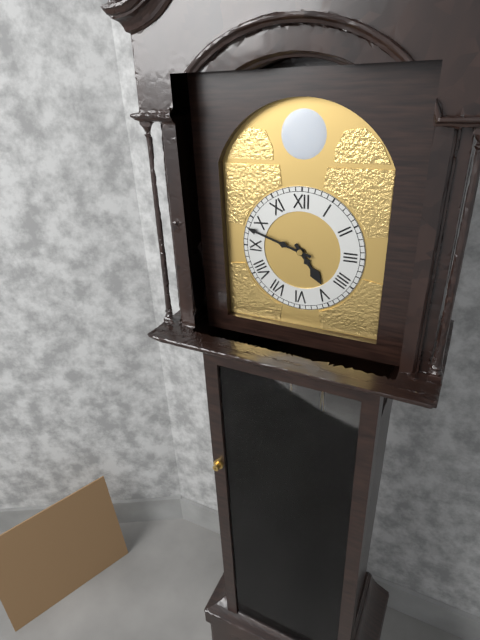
4.48
